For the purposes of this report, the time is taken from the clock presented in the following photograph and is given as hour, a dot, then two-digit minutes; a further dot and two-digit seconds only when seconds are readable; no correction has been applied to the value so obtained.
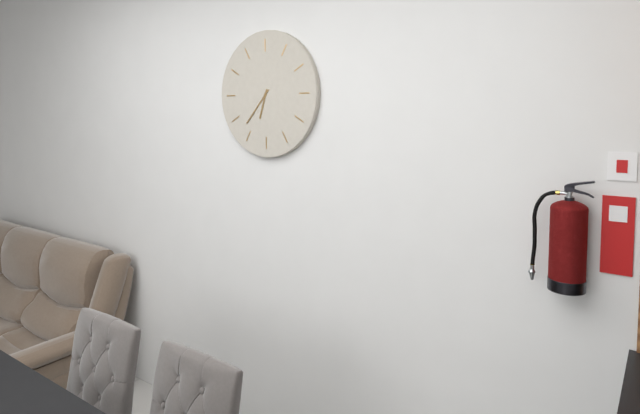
6.37
